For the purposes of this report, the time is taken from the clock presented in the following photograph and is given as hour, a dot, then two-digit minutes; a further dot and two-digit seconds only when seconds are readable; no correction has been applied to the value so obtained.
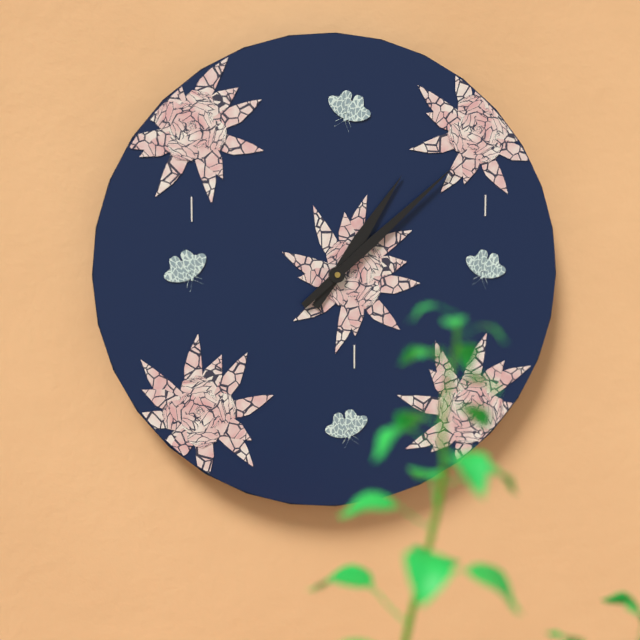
1.08
